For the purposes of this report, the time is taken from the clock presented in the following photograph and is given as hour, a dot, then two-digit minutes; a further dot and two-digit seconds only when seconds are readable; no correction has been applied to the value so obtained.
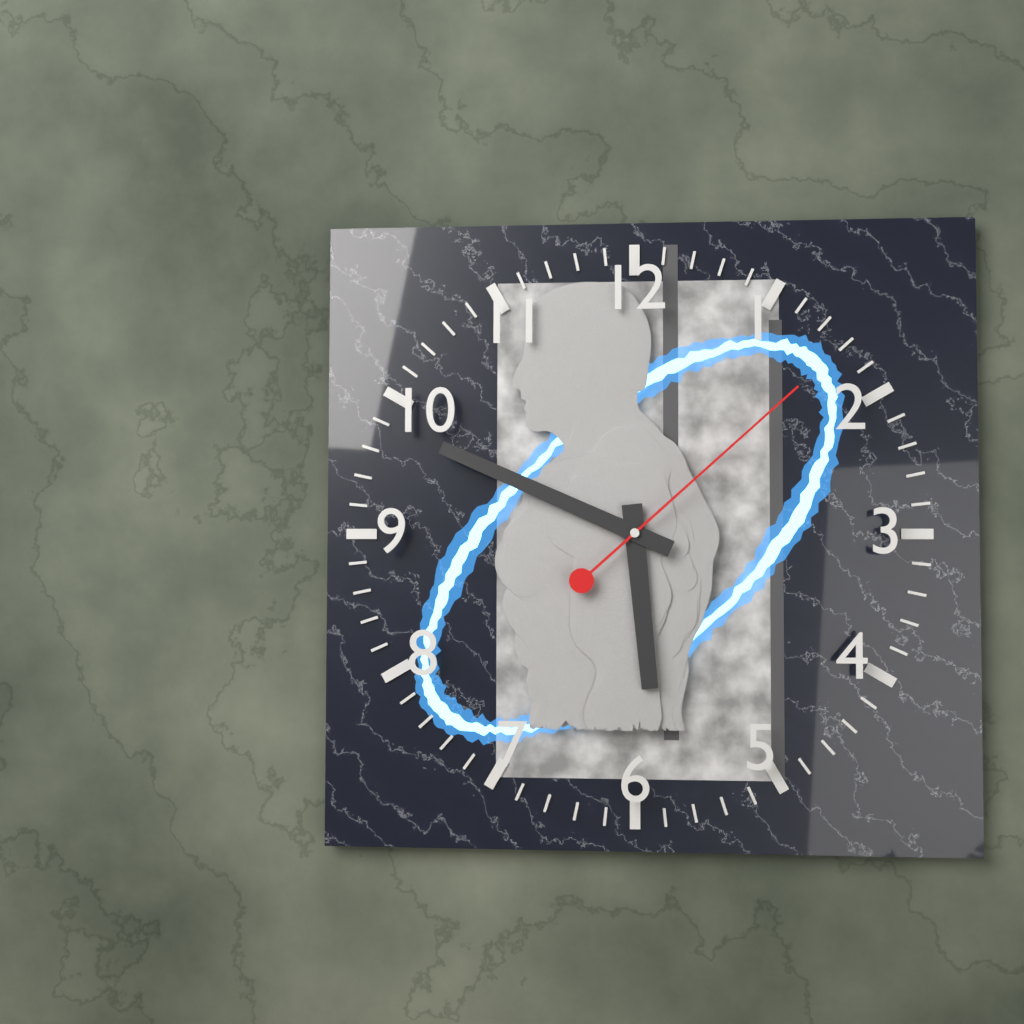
5.49.08
